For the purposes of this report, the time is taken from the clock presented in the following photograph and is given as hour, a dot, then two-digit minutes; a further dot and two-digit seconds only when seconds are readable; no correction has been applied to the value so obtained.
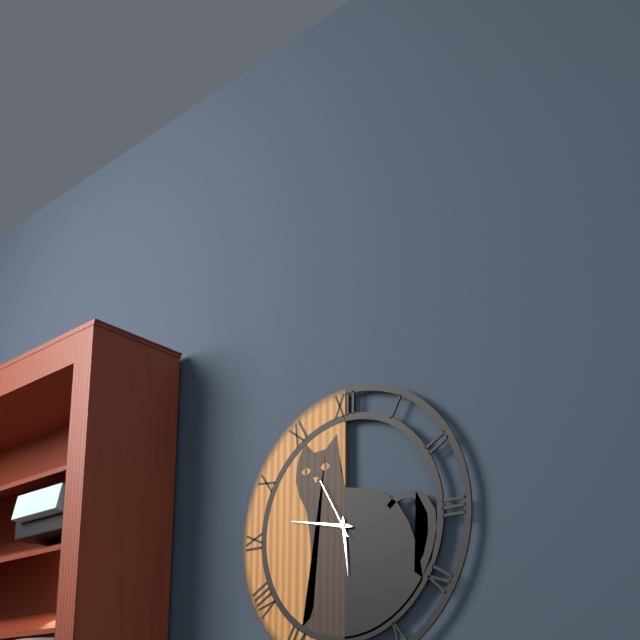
5.47.55
